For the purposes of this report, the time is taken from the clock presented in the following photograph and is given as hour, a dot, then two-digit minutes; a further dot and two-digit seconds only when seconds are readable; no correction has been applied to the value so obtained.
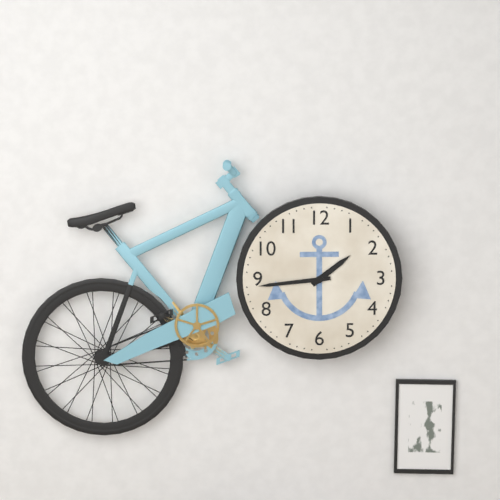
1.44
